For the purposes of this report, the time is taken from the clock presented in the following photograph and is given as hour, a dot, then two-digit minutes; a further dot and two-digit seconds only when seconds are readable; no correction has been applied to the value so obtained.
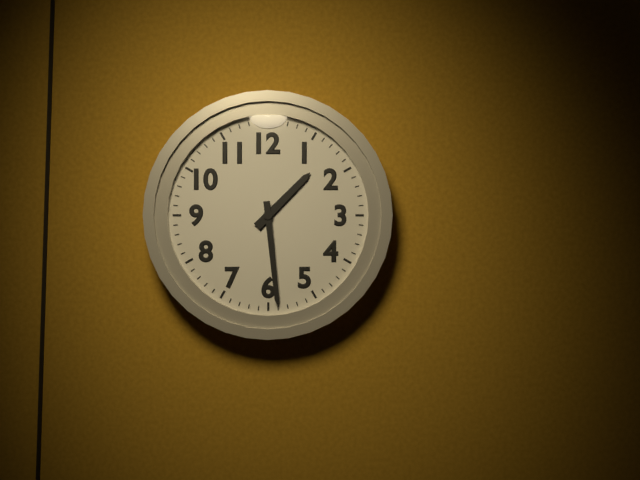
1.29
